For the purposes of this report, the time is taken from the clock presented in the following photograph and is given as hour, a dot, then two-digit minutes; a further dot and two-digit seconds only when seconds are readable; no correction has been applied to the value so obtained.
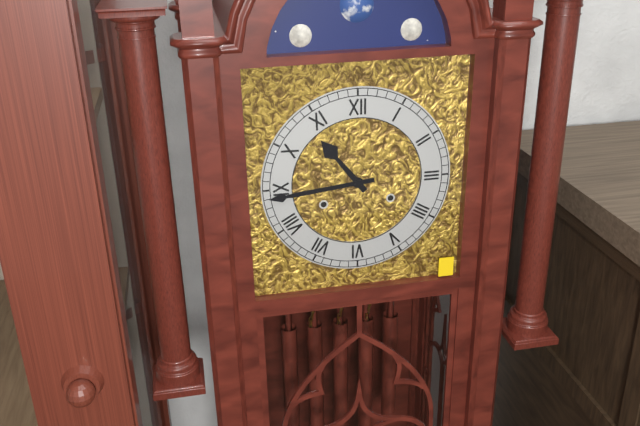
10.44
